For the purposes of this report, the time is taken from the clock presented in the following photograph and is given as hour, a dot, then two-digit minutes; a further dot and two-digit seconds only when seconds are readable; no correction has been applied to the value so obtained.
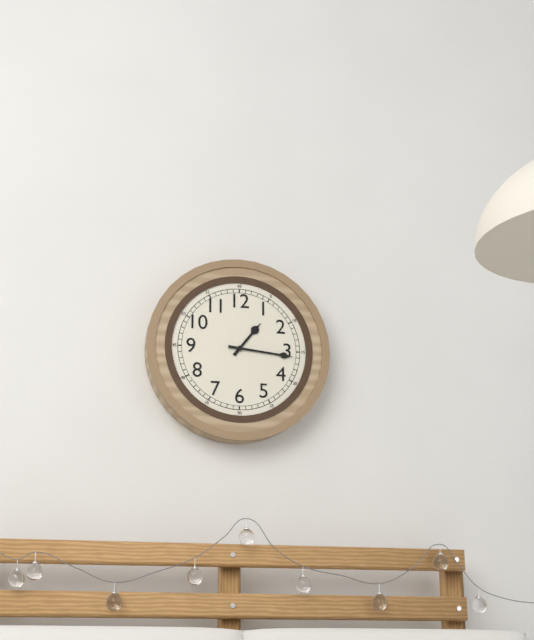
1.16
